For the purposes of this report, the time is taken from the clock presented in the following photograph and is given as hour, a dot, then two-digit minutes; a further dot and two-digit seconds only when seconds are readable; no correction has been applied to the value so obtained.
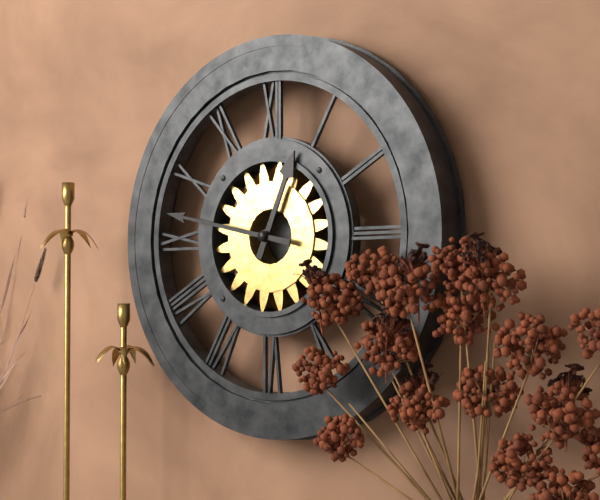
12.47
